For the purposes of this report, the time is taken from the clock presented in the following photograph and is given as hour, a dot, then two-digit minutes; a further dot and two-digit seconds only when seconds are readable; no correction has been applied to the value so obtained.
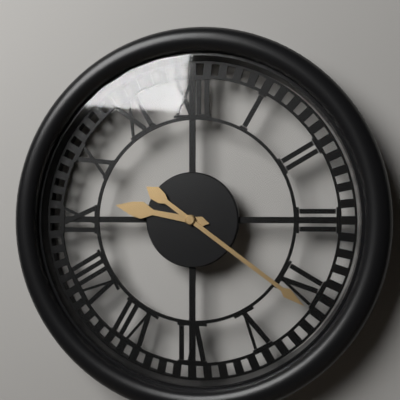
9.21
